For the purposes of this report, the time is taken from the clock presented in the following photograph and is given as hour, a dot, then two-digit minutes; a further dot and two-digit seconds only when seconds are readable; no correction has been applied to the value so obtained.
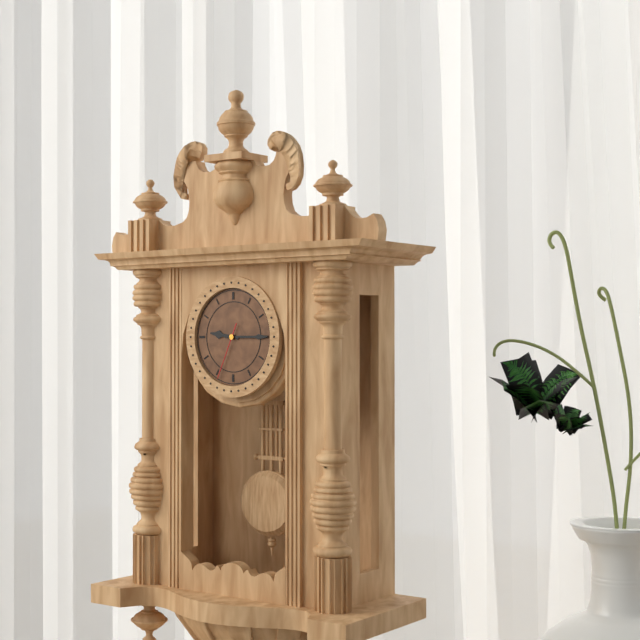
9.15.34
